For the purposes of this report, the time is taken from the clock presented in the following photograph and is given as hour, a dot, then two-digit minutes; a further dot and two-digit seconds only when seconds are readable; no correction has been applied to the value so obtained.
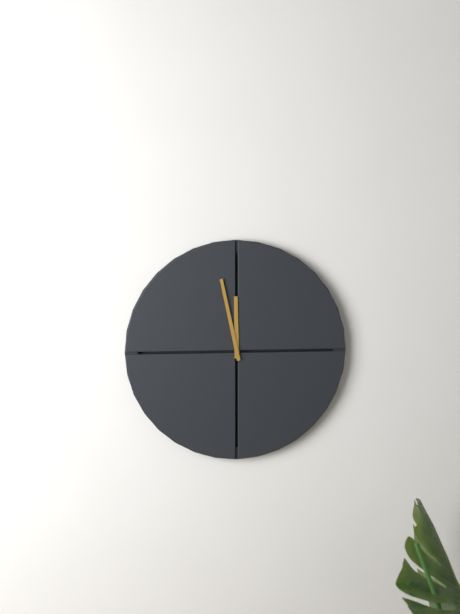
11.58
